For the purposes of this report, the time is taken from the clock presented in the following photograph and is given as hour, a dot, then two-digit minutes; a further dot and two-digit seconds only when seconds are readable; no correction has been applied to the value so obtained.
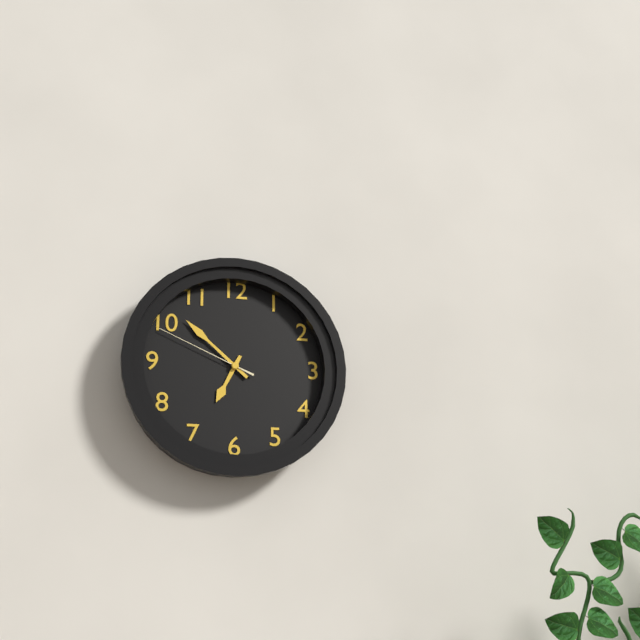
6.52.49
